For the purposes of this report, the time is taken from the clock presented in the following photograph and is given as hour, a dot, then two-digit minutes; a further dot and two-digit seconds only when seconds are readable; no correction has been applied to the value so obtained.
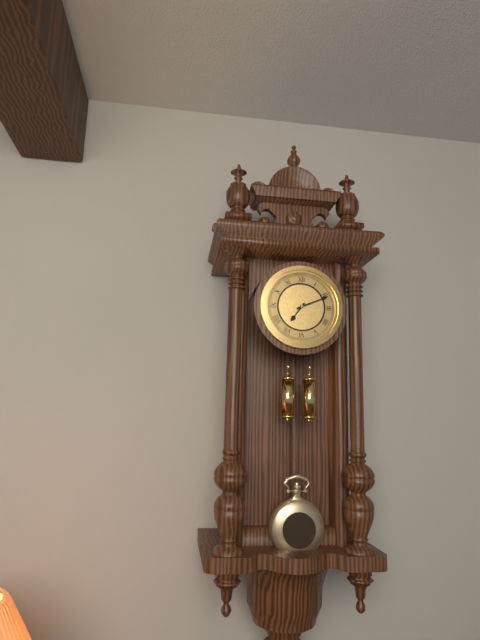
7.11
